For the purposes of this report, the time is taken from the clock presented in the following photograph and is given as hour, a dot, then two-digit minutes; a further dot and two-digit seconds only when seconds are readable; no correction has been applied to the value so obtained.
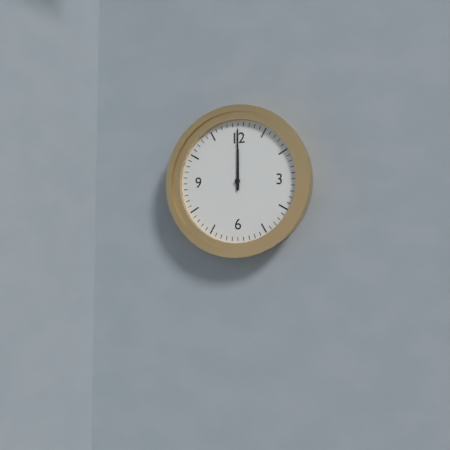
12.00
